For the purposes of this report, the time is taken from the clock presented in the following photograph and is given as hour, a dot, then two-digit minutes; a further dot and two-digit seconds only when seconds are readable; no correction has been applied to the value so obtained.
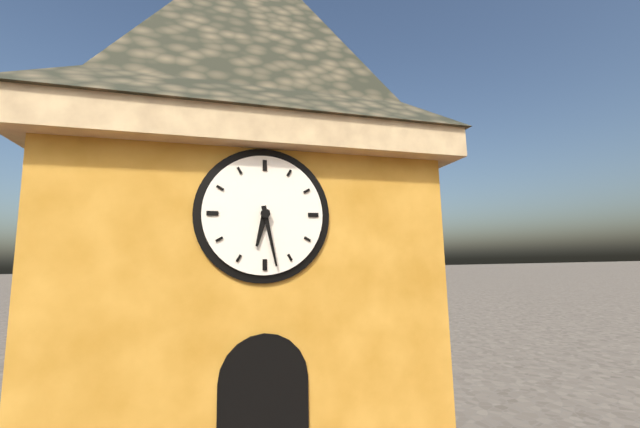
6.28
